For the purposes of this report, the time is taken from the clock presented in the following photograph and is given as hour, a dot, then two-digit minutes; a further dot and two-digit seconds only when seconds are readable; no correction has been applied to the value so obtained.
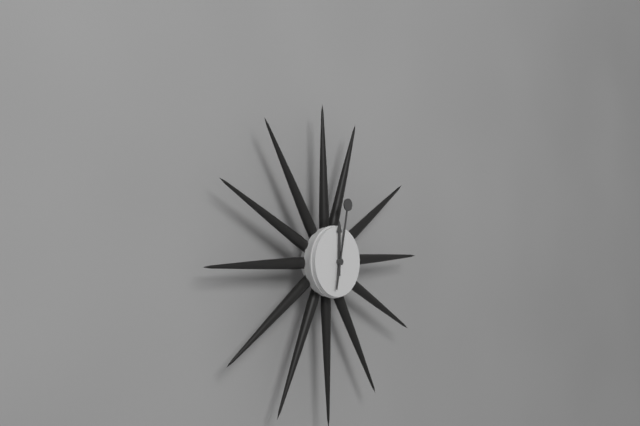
12.02
